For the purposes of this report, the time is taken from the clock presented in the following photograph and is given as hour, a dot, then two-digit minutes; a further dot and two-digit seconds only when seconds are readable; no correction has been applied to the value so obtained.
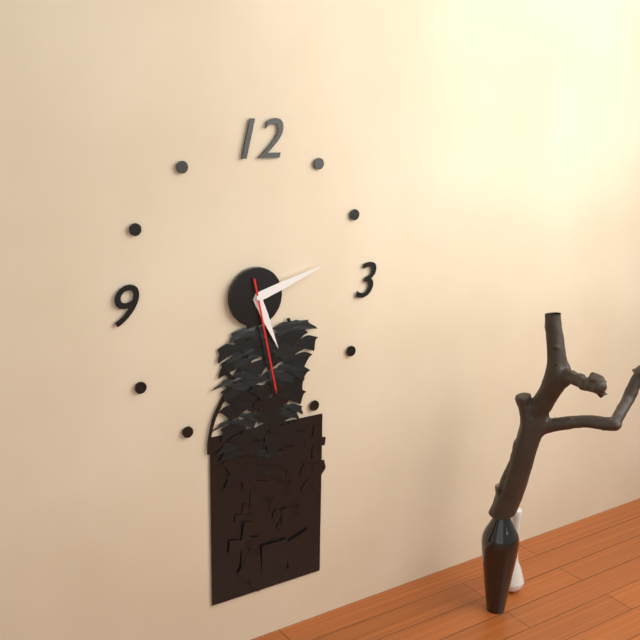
5.12.28
